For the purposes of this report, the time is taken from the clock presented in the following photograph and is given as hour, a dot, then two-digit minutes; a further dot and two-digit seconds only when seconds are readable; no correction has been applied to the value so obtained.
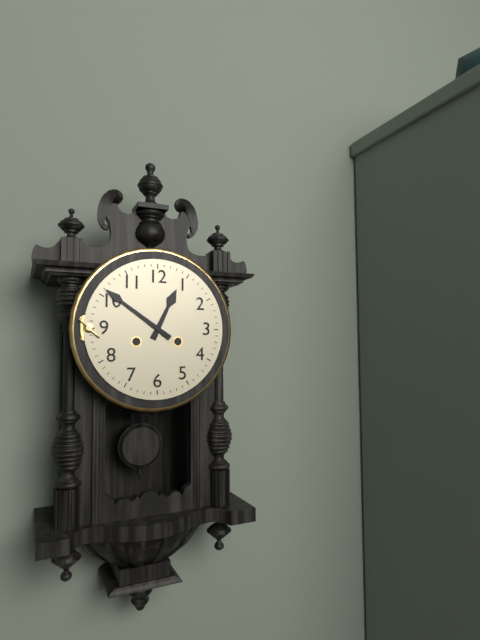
12.51
